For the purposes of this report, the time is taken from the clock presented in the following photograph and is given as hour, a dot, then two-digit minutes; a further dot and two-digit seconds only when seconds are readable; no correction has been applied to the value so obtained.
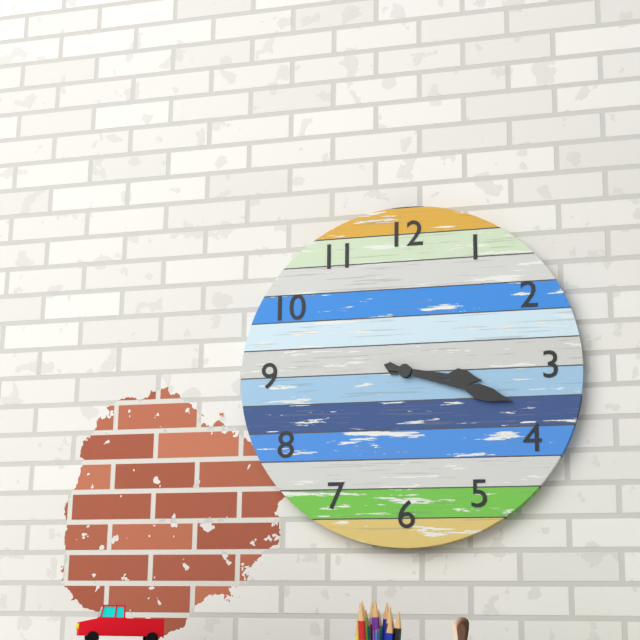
3.18
